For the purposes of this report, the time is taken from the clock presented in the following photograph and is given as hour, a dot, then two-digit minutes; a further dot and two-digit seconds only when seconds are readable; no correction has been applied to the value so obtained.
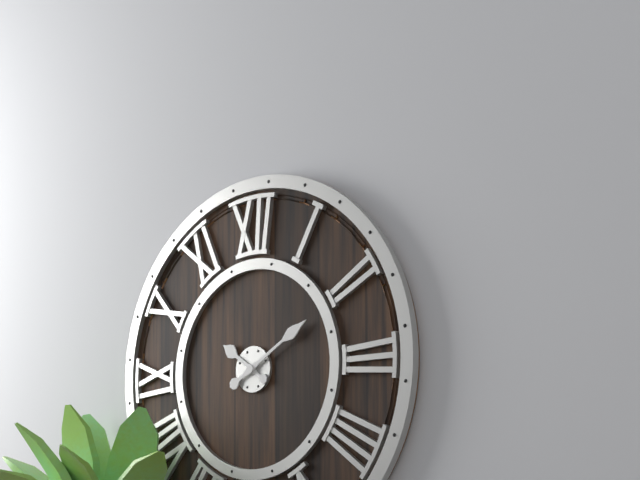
10.10
